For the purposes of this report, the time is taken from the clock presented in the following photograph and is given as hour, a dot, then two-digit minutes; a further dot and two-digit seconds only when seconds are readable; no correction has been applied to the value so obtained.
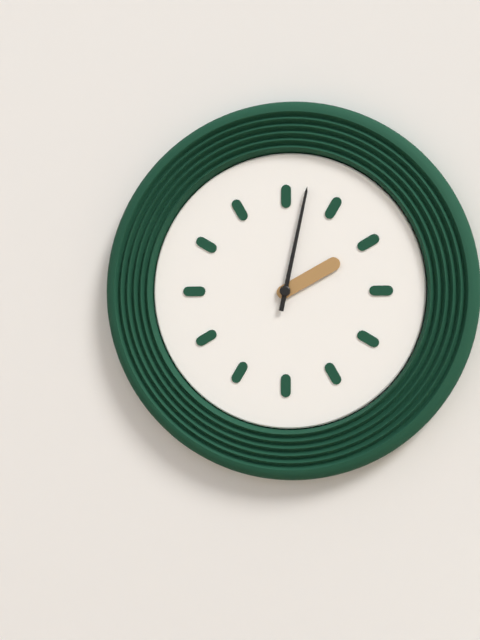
2.02
